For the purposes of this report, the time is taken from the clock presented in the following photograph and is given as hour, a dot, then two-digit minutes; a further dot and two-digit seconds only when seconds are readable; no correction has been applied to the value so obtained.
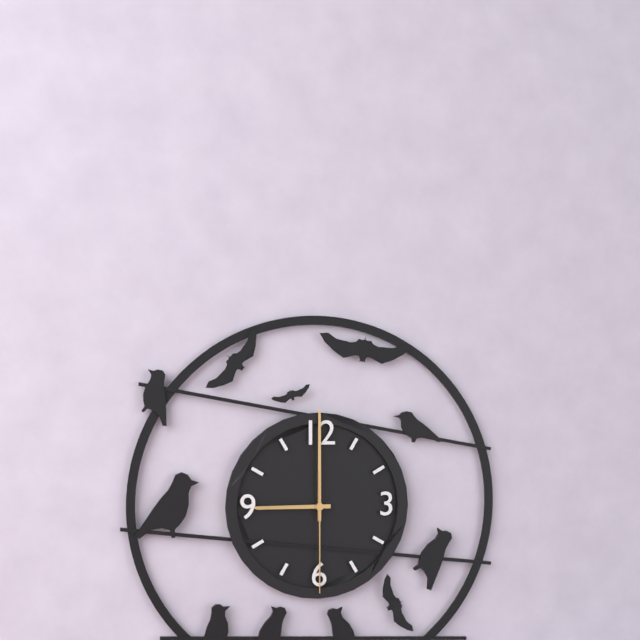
9.00.30
